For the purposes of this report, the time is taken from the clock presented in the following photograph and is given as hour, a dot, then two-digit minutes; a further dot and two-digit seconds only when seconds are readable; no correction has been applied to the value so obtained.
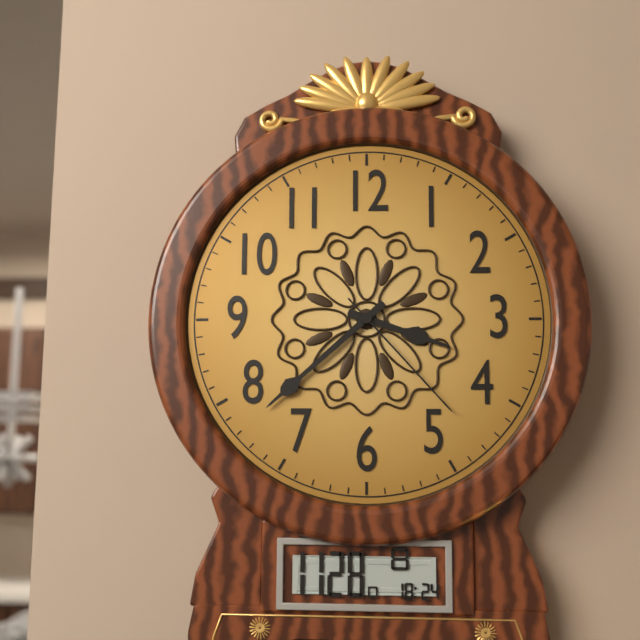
3.38.23
